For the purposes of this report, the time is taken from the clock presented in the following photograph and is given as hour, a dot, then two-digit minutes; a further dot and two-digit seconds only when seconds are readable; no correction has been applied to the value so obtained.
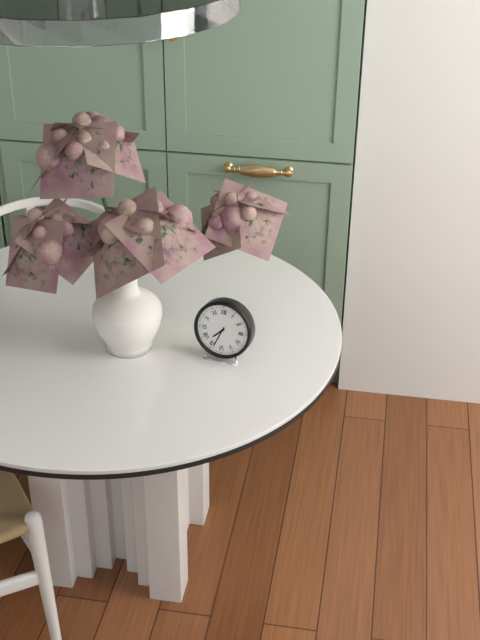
7.34
